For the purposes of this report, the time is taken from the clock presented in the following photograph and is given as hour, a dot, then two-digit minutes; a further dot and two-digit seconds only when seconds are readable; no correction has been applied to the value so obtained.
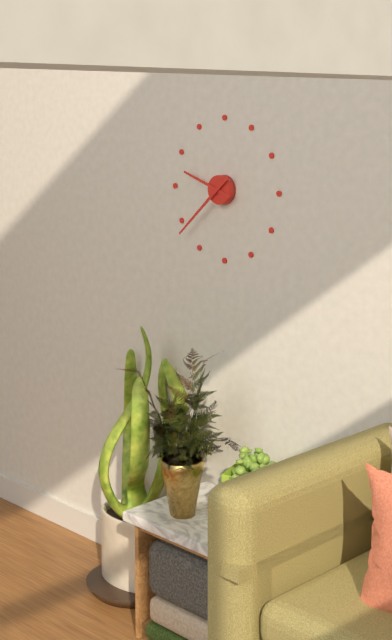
9.38
